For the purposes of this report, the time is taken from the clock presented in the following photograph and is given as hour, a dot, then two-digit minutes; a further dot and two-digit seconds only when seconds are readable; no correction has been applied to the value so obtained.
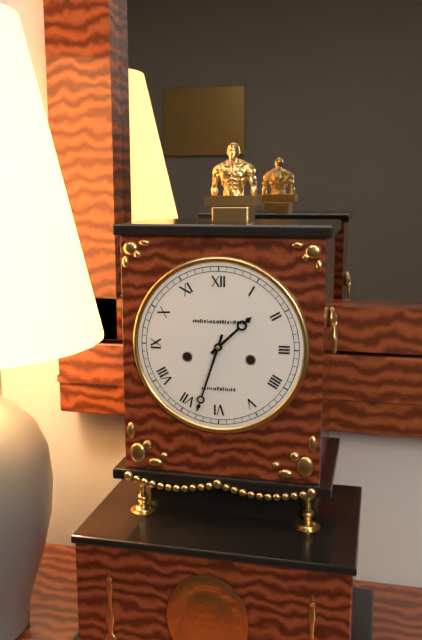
1.33
